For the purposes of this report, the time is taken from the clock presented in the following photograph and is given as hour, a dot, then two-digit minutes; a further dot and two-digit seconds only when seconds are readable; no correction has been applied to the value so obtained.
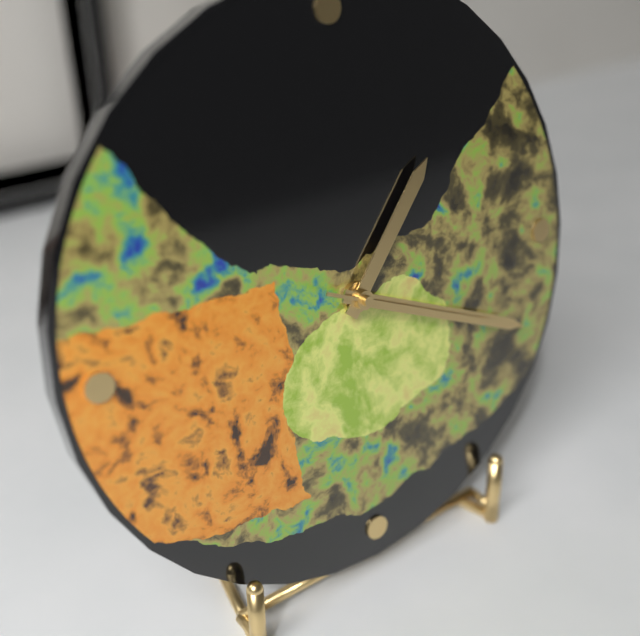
1.19.19
